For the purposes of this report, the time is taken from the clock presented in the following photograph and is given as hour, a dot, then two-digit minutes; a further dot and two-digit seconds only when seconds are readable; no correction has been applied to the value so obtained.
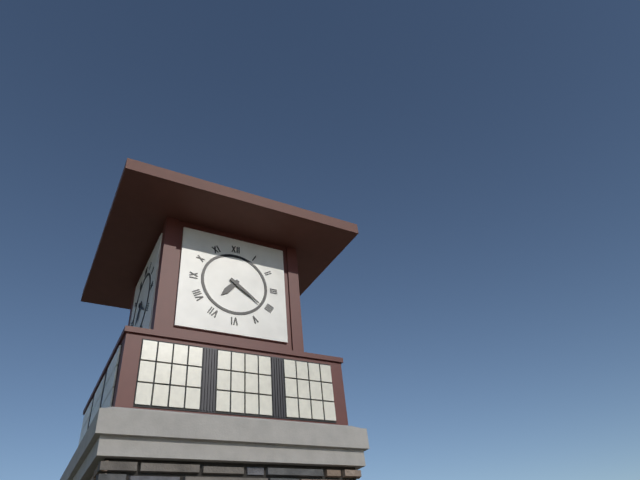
7.21
